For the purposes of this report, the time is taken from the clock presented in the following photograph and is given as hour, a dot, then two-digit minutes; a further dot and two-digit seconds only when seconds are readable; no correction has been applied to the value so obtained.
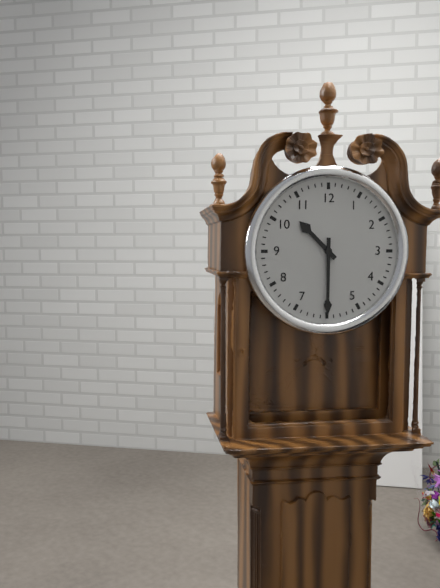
10.30
